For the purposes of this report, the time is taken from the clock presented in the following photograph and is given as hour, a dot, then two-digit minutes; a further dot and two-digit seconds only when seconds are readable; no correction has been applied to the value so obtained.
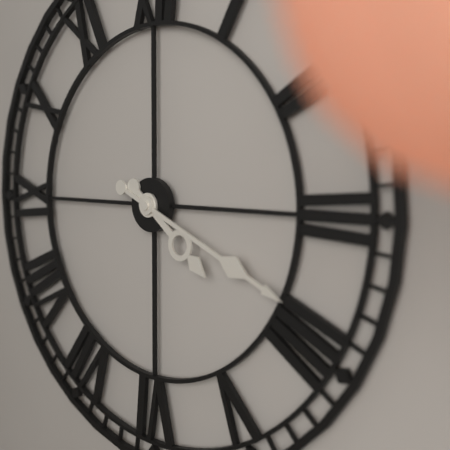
4.19
